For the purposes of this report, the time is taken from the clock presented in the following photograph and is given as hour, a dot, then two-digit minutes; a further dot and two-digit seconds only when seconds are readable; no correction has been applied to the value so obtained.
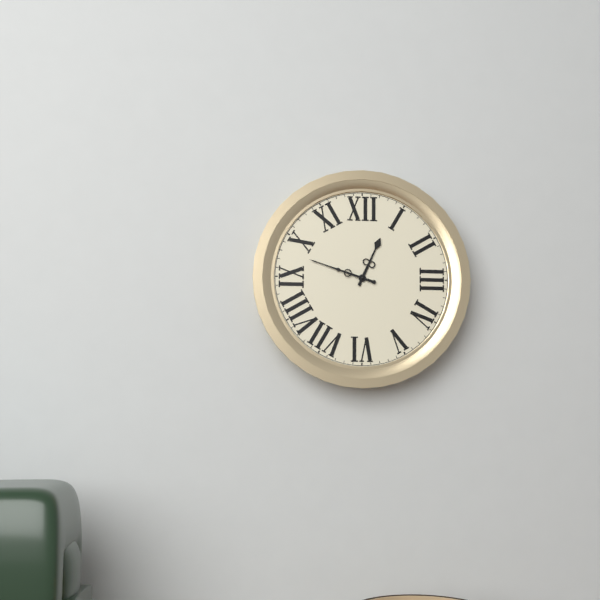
12.48
